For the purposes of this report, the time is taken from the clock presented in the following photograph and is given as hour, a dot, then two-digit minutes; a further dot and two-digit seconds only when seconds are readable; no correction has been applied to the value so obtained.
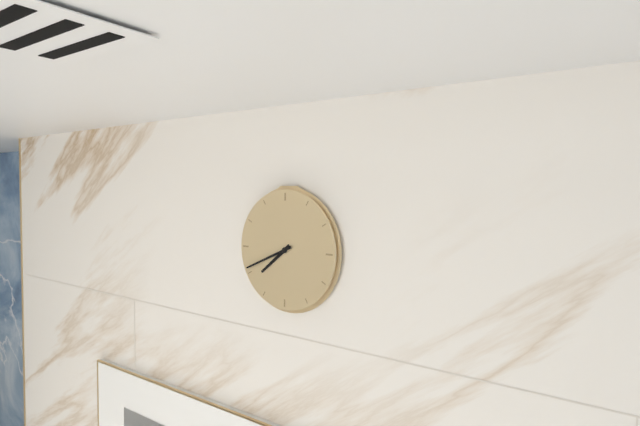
7.41
